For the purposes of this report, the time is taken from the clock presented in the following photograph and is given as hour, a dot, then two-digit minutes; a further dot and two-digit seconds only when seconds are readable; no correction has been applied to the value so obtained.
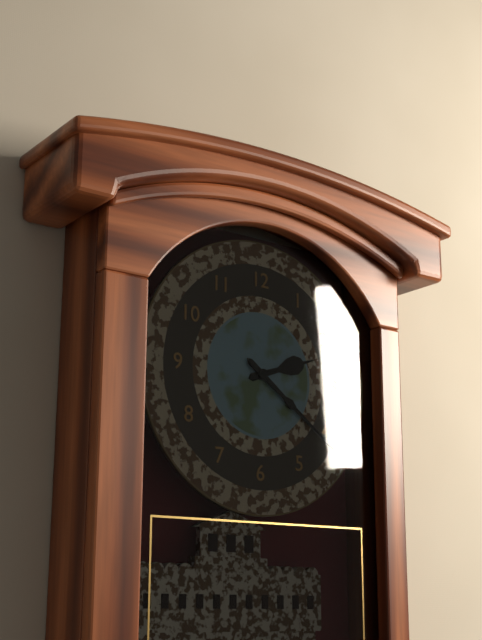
2.21
